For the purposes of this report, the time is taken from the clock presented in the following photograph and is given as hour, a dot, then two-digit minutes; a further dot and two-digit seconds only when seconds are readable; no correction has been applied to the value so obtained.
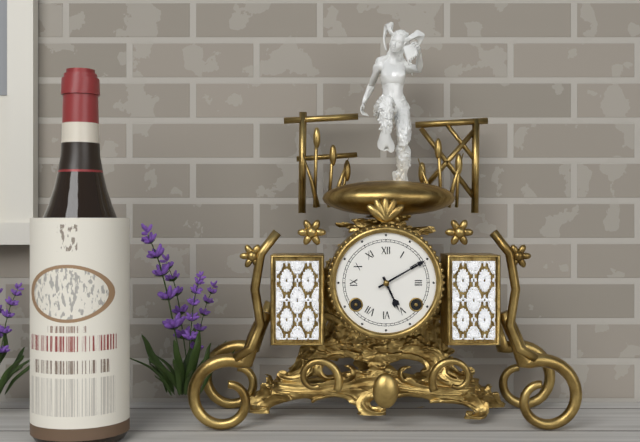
5.10
